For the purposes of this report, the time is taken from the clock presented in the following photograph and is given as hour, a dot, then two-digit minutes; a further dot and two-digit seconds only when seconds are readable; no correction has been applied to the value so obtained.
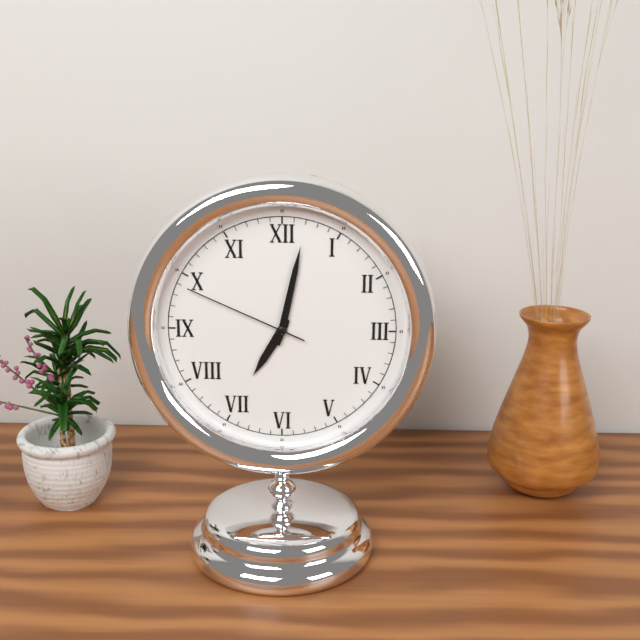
7.02.49
